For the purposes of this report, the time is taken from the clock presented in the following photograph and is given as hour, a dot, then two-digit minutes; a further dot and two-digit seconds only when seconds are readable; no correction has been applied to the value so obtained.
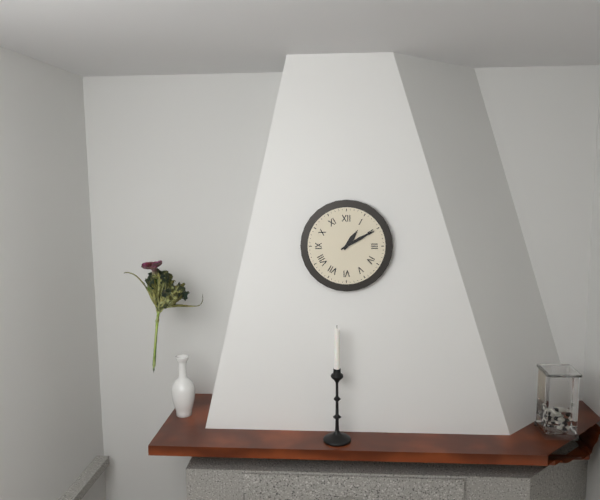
1.10
